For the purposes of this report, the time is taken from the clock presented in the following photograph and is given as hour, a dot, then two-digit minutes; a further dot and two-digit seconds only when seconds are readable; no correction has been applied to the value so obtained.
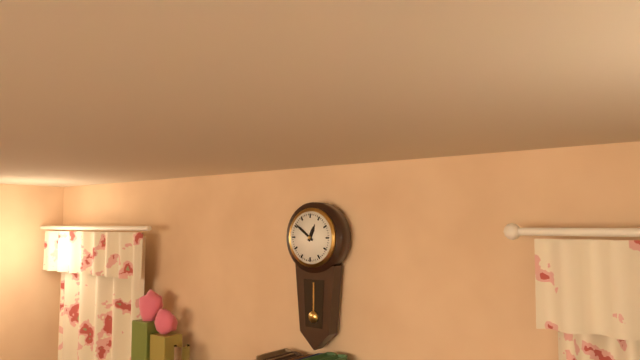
12.51
